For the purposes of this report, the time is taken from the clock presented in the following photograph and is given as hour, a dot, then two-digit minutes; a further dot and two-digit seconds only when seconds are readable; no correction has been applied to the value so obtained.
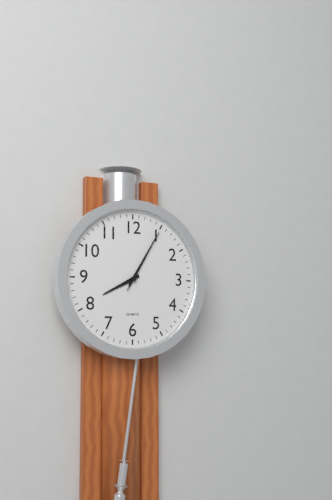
8.05.05
